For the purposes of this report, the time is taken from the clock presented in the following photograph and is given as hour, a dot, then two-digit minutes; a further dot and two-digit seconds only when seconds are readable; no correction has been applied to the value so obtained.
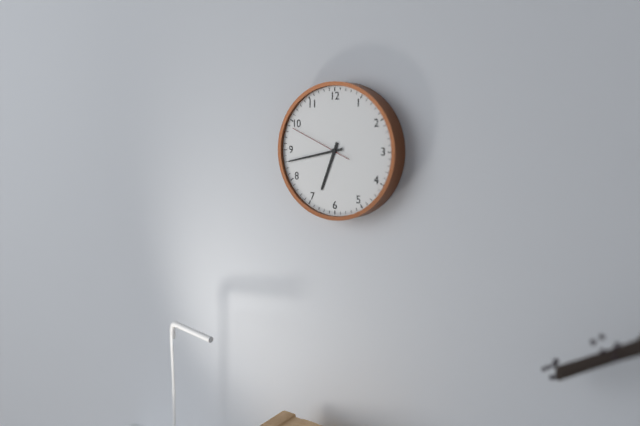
6.43.49
